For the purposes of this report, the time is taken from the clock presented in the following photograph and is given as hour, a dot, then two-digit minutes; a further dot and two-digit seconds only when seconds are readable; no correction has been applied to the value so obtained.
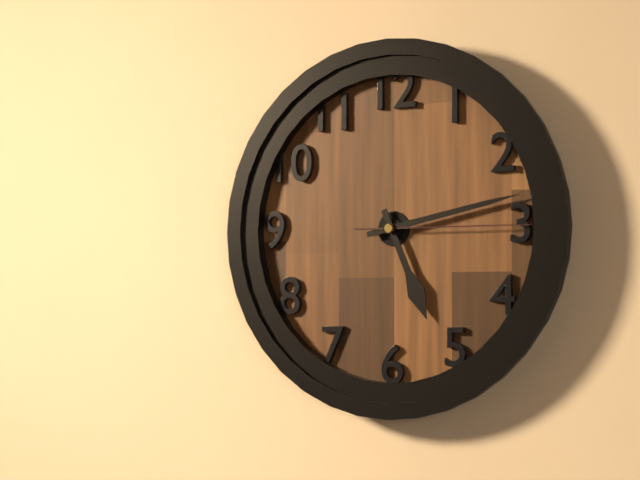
5.13.15
